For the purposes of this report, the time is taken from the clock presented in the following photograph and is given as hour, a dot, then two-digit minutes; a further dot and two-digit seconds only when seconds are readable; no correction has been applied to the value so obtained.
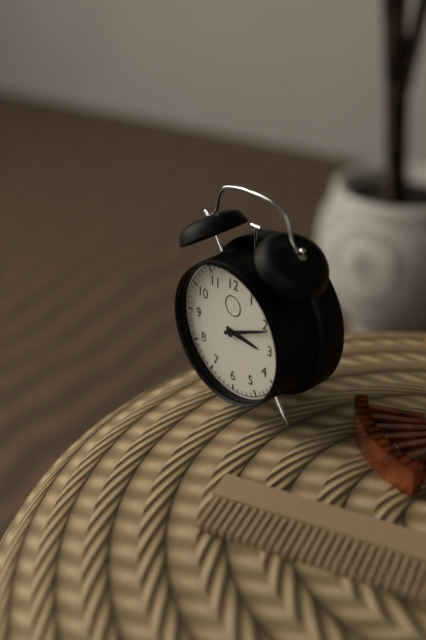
3.11
